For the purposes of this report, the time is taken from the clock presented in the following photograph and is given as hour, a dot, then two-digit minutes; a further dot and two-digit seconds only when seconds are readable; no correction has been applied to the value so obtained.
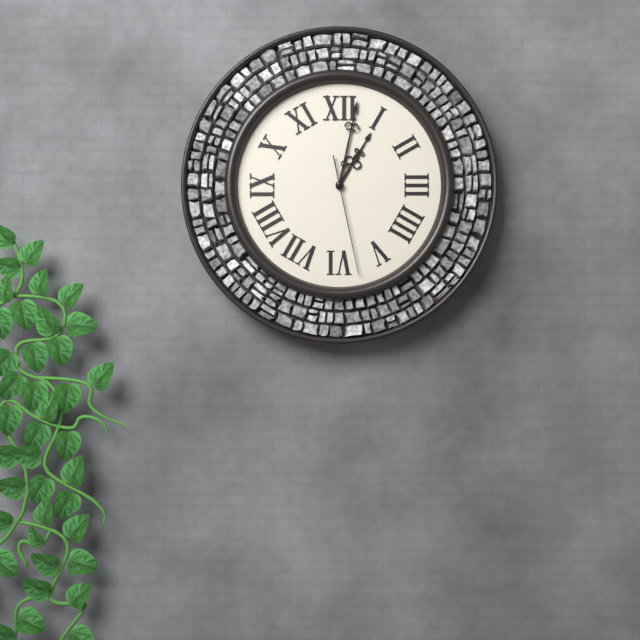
1.02.28
